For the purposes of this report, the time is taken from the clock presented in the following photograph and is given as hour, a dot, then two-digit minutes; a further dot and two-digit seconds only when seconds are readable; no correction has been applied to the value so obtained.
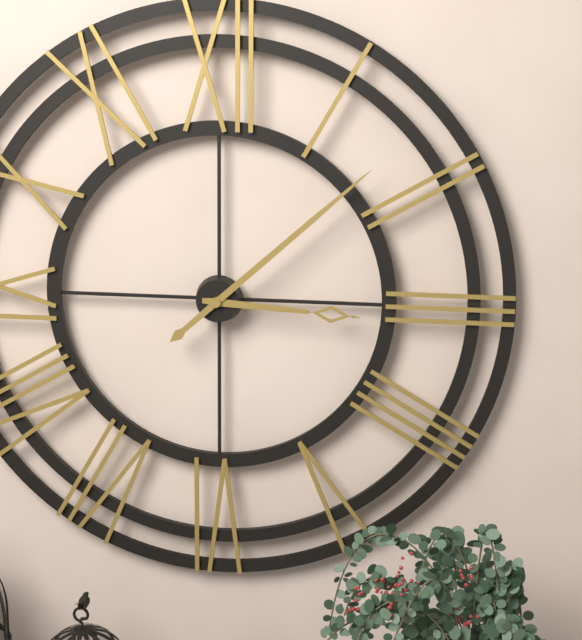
3.08
